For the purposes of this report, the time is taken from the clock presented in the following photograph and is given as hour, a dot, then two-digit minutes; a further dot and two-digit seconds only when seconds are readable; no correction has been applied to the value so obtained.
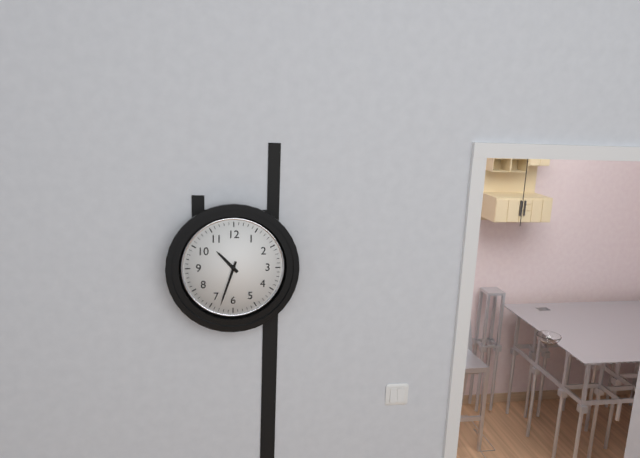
10.33
